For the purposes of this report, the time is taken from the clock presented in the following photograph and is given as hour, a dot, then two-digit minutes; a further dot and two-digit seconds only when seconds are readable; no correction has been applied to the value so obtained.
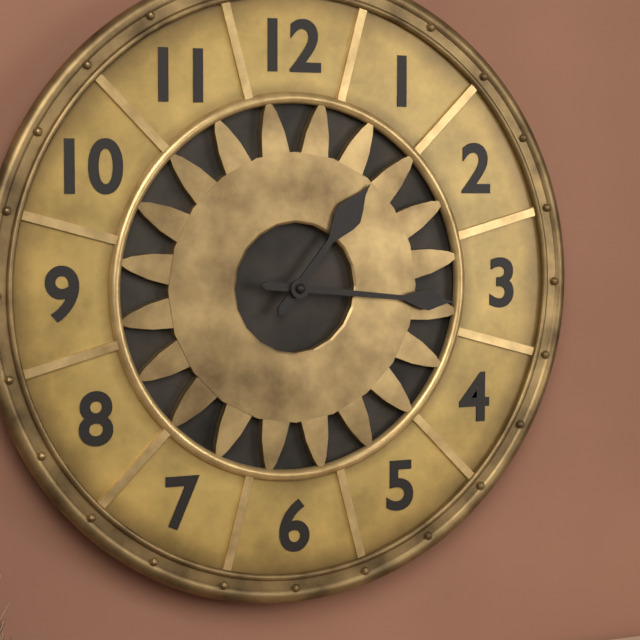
1.16
